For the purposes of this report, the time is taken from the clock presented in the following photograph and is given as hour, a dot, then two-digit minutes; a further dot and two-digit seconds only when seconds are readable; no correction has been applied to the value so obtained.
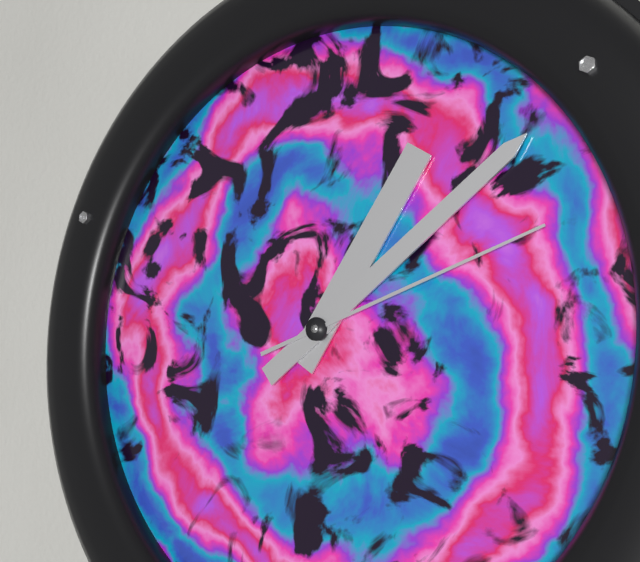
1.09.12
